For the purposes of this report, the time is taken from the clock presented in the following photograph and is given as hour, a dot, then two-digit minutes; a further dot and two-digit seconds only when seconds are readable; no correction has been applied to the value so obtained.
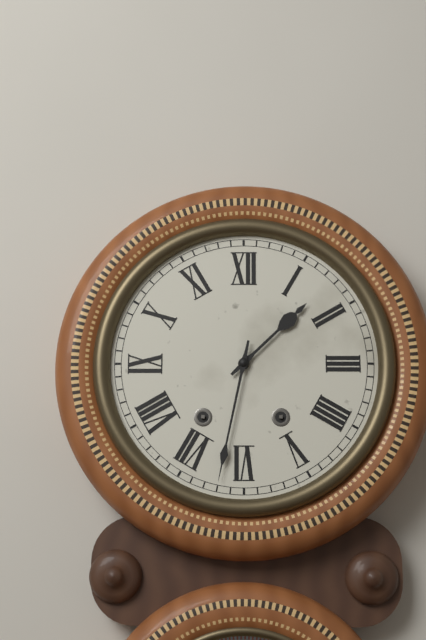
1.32
